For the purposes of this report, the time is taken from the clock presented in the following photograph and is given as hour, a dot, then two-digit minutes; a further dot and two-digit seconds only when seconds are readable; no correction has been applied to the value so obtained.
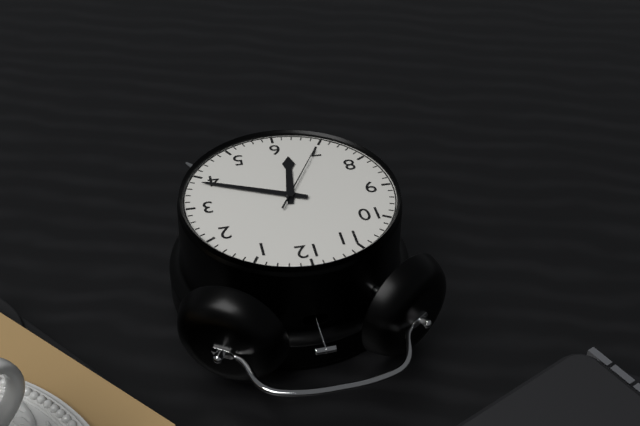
6.19.35
